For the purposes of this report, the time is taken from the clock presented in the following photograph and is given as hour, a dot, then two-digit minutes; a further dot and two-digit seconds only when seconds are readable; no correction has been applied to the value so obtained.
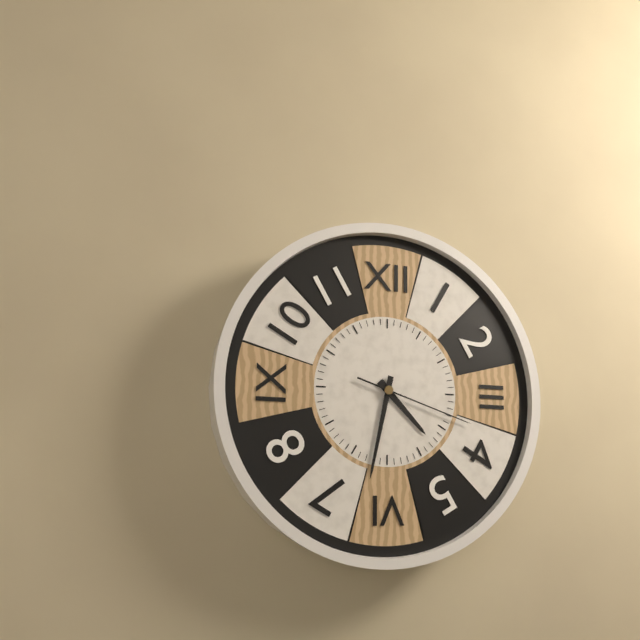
4.32.18
